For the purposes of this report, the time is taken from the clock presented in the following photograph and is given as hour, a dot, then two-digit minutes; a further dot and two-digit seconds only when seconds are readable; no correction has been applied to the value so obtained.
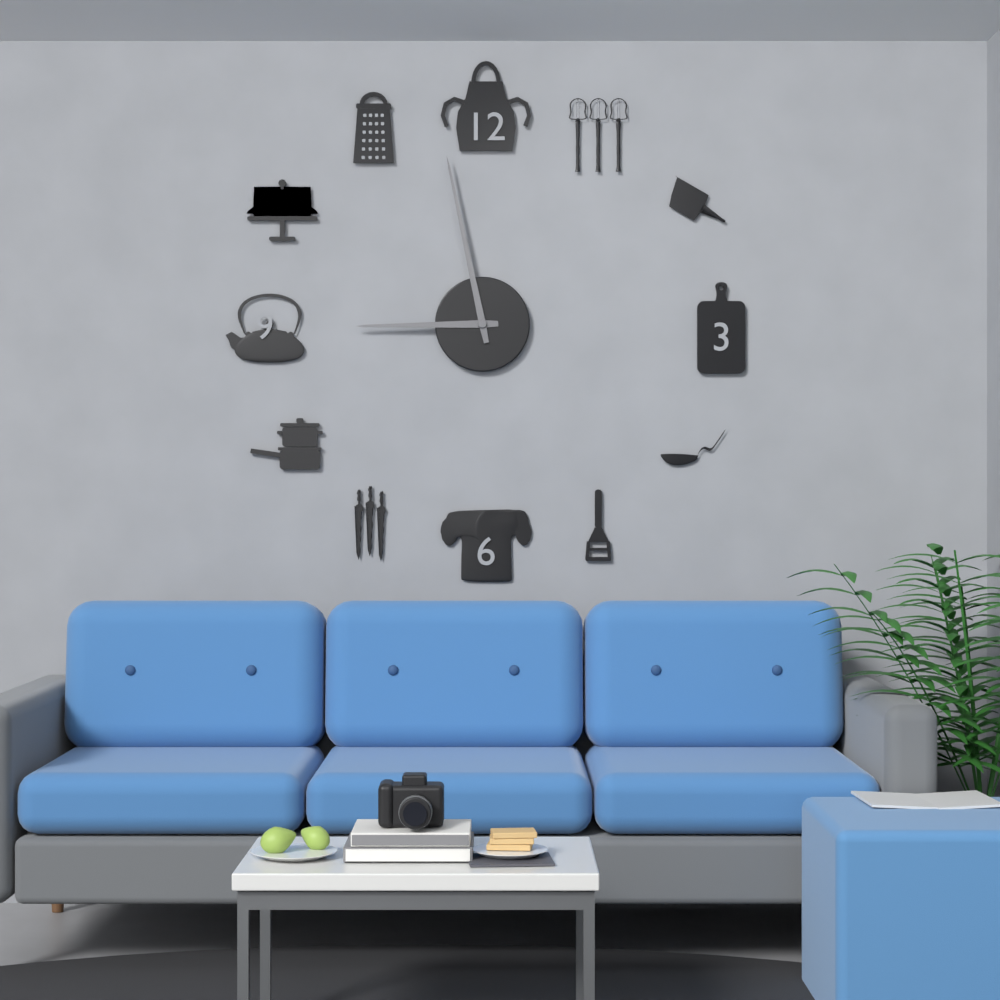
8.58
